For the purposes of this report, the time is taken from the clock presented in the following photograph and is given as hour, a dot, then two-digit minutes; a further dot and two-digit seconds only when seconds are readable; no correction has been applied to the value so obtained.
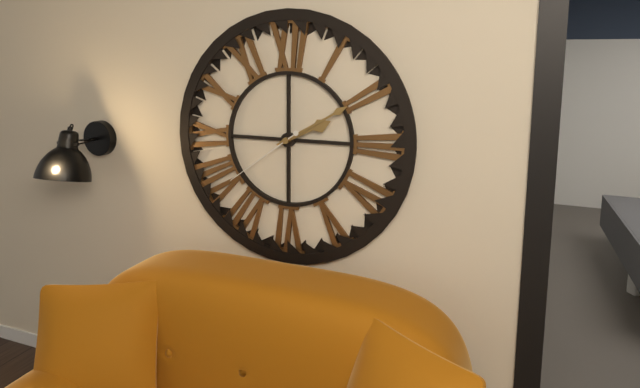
2.10.39
